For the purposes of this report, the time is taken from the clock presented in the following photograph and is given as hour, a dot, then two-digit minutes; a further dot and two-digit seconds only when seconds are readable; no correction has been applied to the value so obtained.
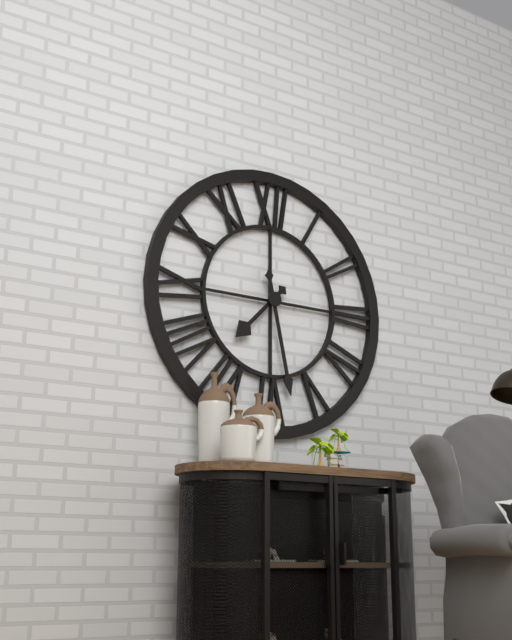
7.28
